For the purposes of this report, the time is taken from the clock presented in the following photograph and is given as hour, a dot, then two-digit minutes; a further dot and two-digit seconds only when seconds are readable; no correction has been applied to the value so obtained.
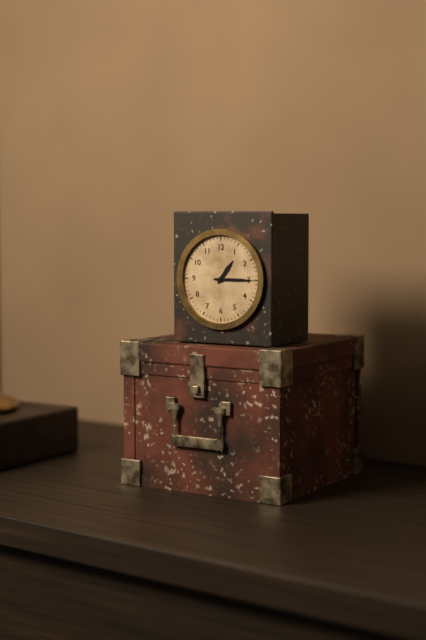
1.15
